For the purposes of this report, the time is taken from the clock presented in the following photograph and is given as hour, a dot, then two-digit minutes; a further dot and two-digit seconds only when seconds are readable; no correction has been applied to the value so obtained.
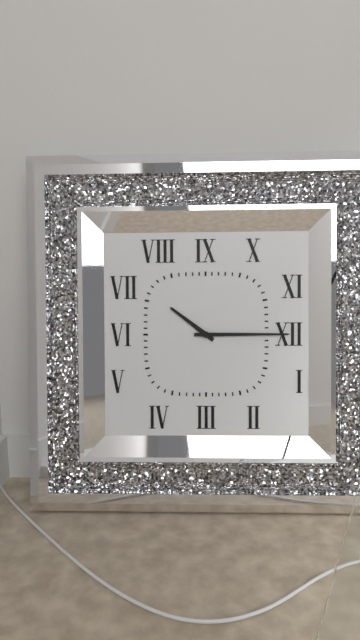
10.15
